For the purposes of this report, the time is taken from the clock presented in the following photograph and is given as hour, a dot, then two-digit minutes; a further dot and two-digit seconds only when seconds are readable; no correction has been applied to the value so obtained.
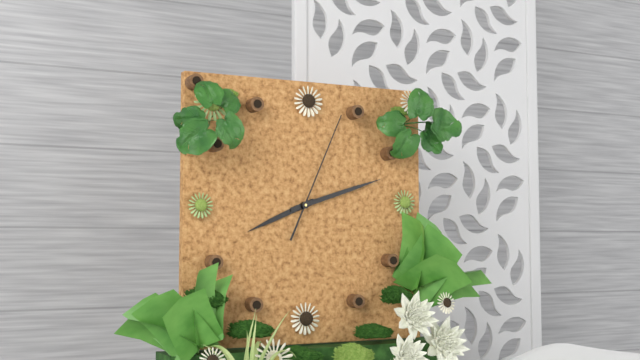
8.12.04
